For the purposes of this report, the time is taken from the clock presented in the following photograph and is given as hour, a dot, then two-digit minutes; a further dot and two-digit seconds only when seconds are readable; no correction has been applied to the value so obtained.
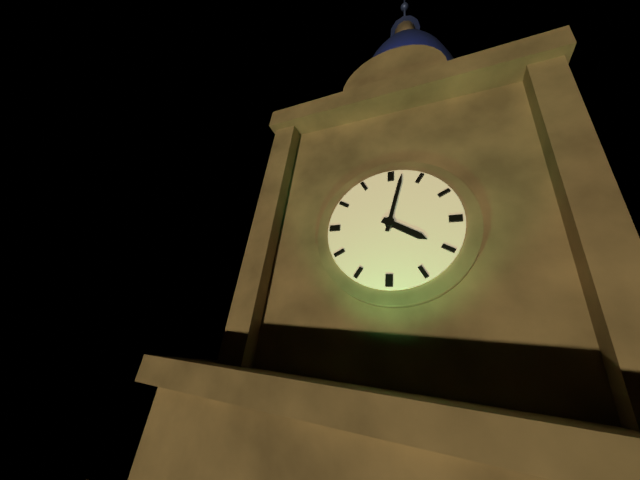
4.02
